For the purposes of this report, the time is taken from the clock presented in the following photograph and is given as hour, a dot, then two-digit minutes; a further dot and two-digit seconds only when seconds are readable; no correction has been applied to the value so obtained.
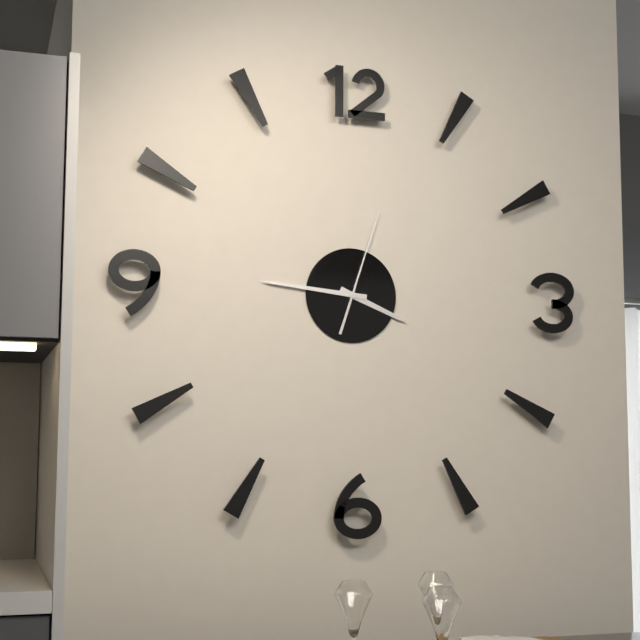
3.46.03
